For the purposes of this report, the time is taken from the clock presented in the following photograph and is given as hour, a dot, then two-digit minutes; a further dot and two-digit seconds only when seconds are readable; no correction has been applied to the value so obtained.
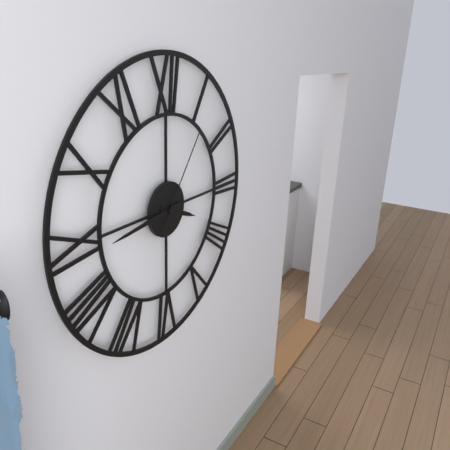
3.44.06
